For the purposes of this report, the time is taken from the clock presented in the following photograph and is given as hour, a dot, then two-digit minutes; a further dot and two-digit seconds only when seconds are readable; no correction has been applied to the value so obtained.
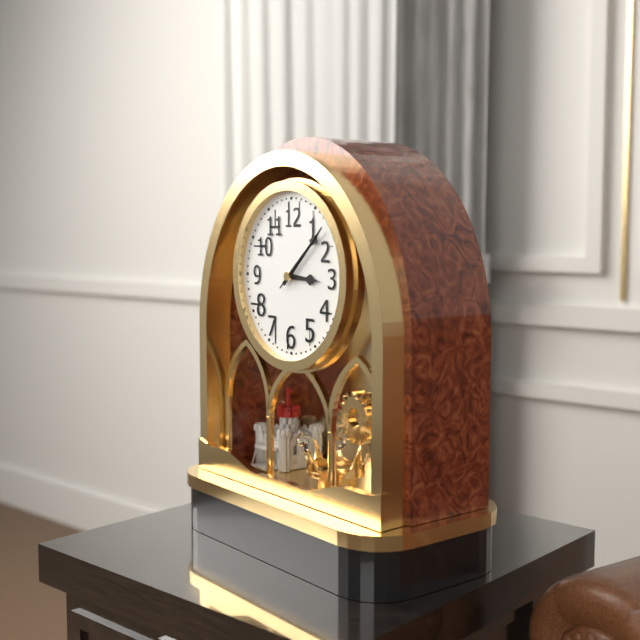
3.08.08
